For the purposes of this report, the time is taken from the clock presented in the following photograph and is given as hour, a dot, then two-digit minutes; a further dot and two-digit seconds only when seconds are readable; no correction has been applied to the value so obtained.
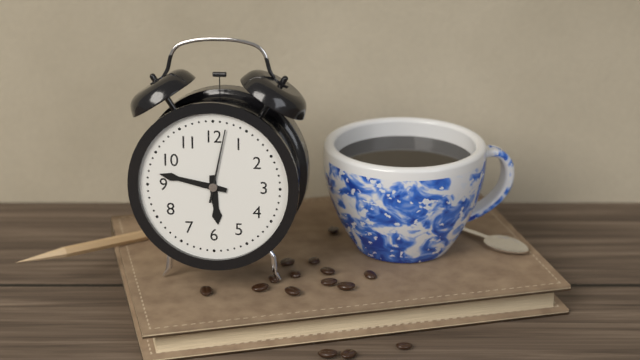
5.47.02
